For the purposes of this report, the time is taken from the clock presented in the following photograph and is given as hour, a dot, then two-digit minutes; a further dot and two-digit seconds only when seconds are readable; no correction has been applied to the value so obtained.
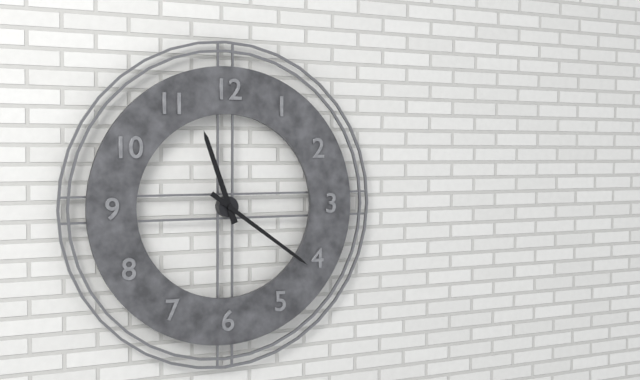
11.21
